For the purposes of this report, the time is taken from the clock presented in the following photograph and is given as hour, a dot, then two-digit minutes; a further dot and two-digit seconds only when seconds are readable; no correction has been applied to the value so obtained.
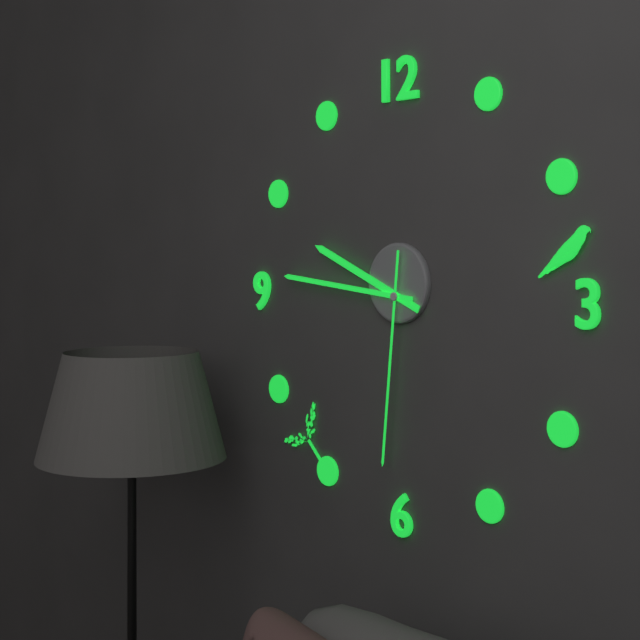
9.46.31
